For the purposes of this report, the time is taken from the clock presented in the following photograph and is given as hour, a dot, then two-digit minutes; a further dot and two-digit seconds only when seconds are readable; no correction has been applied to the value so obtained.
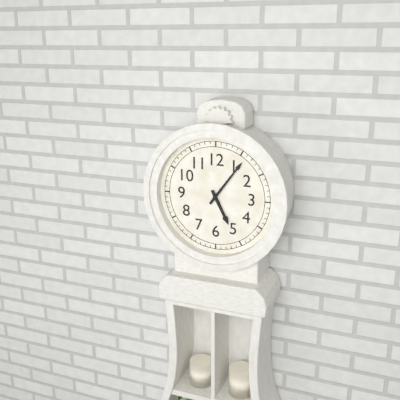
5.06
